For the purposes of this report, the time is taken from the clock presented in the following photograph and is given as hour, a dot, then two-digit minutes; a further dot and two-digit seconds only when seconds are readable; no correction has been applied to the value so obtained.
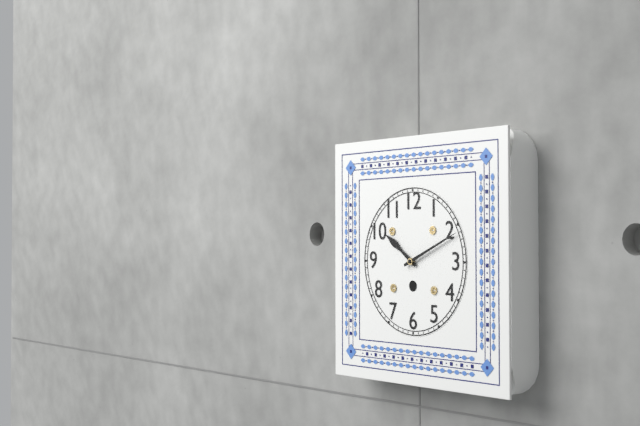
10.11
